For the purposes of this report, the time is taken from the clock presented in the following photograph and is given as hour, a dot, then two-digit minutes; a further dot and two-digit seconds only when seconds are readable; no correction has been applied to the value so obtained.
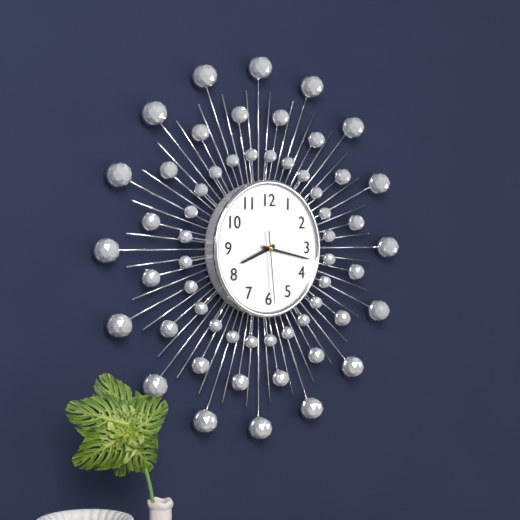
8.17.29
